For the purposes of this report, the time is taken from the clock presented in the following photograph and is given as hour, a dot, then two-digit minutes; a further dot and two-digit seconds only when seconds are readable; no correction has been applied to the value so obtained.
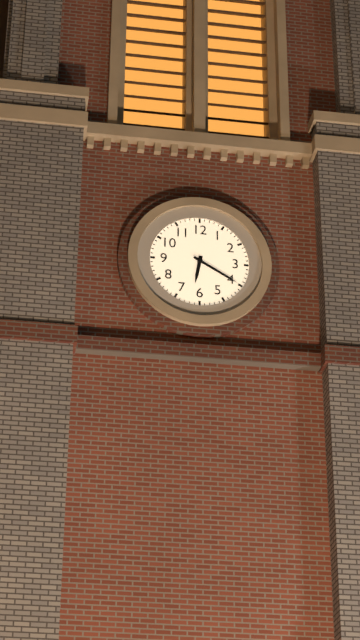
6.20
